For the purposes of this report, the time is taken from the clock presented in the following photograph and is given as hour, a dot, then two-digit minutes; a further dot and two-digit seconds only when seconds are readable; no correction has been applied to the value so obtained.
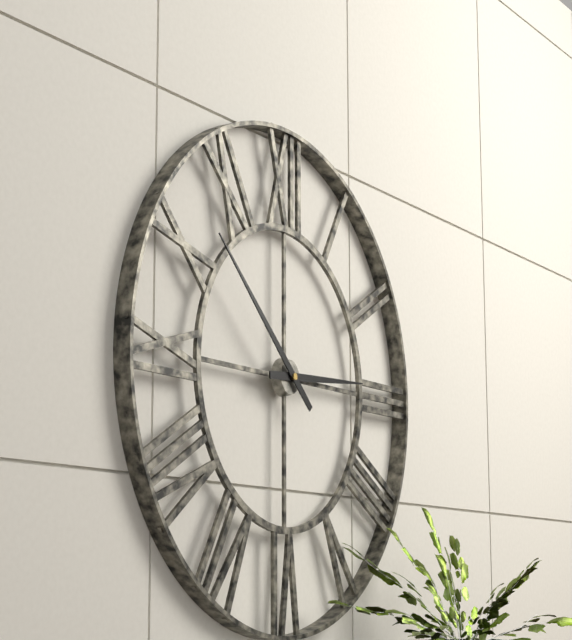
2.52
